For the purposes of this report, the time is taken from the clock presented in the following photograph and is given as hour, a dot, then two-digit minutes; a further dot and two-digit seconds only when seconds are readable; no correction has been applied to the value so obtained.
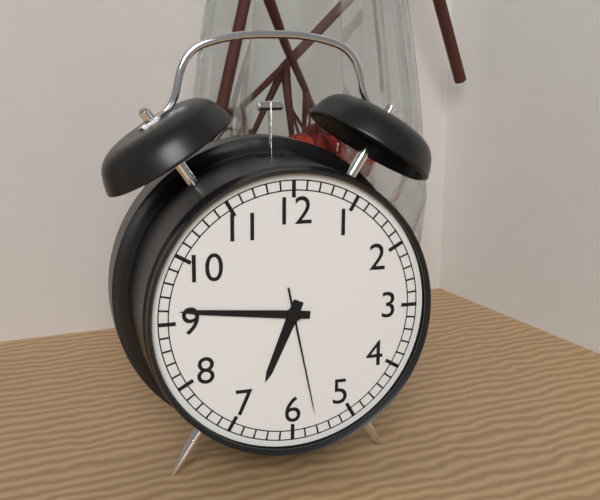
6.46.28
